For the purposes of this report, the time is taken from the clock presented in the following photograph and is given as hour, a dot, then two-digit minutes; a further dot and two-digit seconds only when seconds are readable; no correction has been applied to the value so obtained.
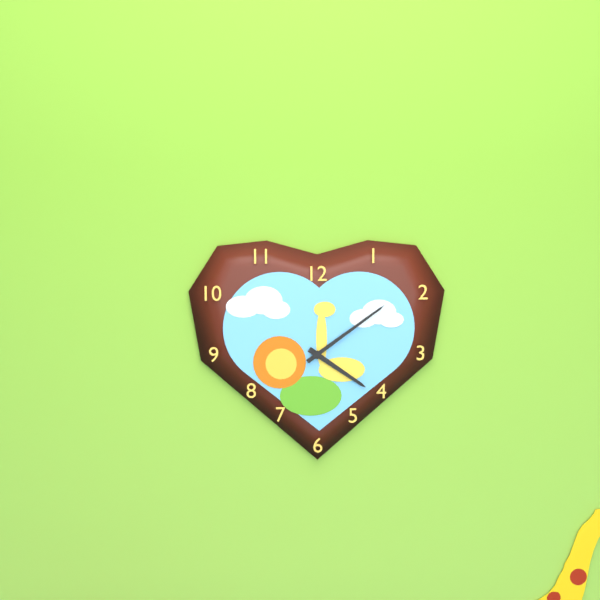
4.09
